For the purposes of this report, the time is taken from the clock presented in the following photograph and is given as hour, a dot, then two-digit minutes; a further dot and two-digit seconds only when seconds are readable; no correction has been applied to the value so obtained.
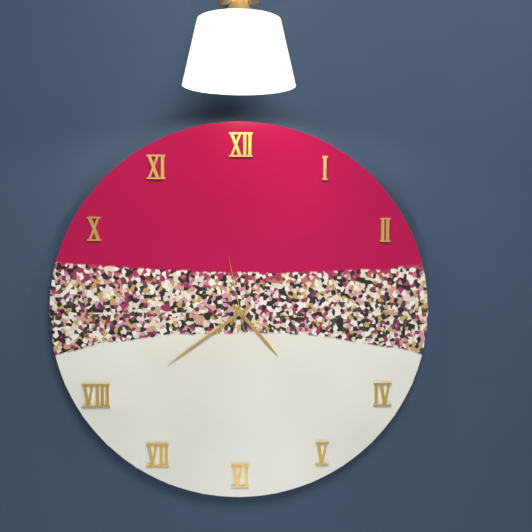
4.39.58
